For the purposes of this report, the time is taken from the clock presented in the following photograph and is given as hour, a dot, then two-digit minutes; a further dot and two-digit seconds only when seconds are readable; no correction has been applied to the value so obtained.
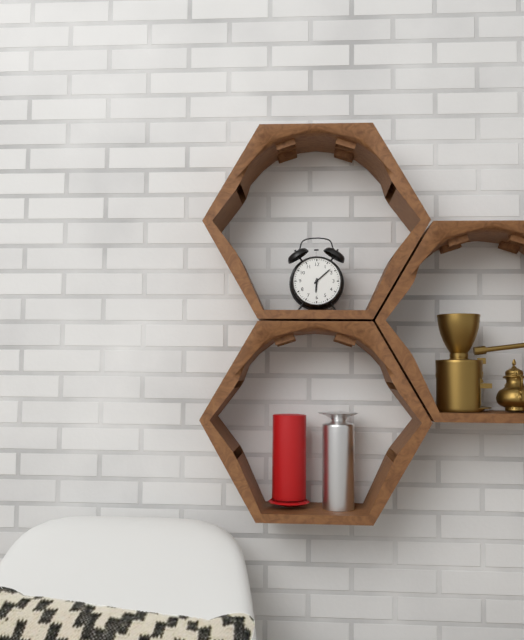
6.08
